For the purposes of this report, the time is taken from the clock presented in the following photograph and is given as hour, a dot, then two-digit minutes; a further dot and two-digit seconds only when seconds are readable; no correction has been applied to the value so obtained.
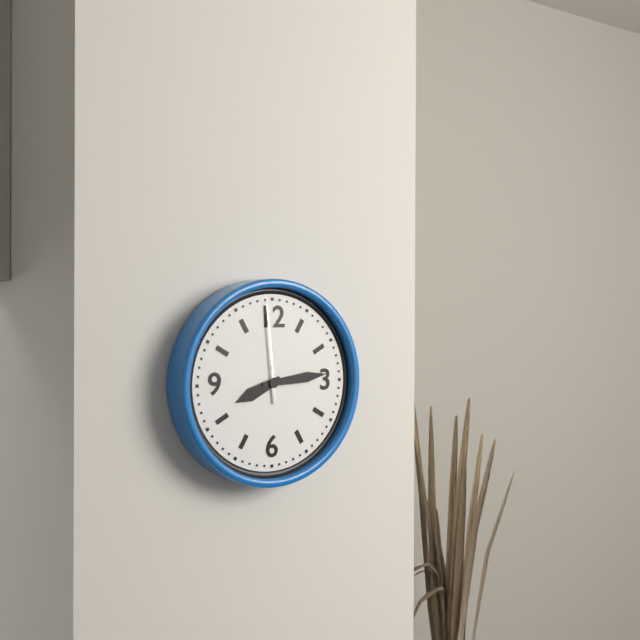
8.14.59
